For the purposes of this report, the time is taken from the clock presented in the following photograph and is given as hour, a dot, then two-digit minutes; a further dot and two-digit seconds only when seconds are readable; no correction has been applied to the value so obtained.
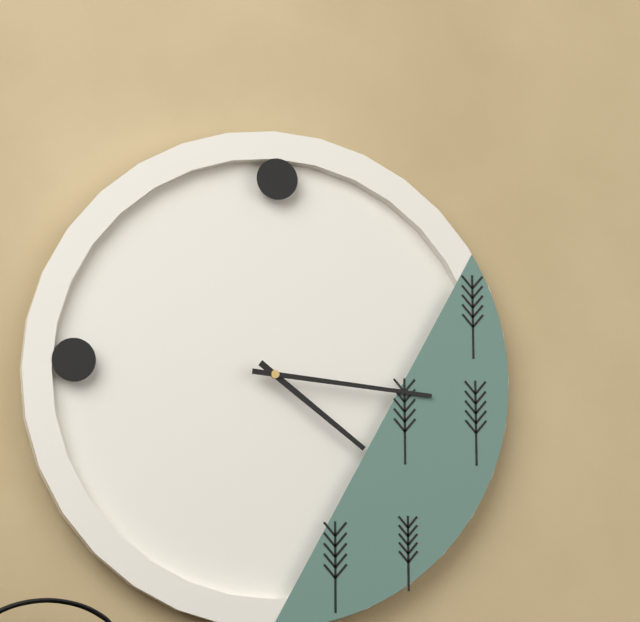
4.16
